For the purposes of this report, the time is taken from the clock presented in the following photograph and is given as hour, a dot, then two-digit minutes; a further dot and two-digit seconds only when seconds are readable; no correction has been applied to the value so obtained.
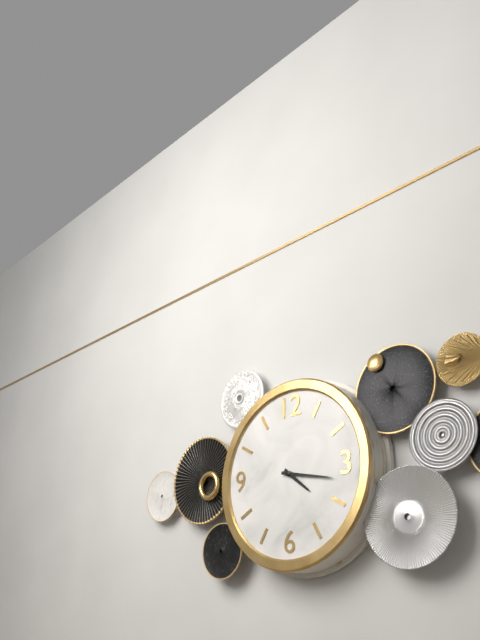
4.17
